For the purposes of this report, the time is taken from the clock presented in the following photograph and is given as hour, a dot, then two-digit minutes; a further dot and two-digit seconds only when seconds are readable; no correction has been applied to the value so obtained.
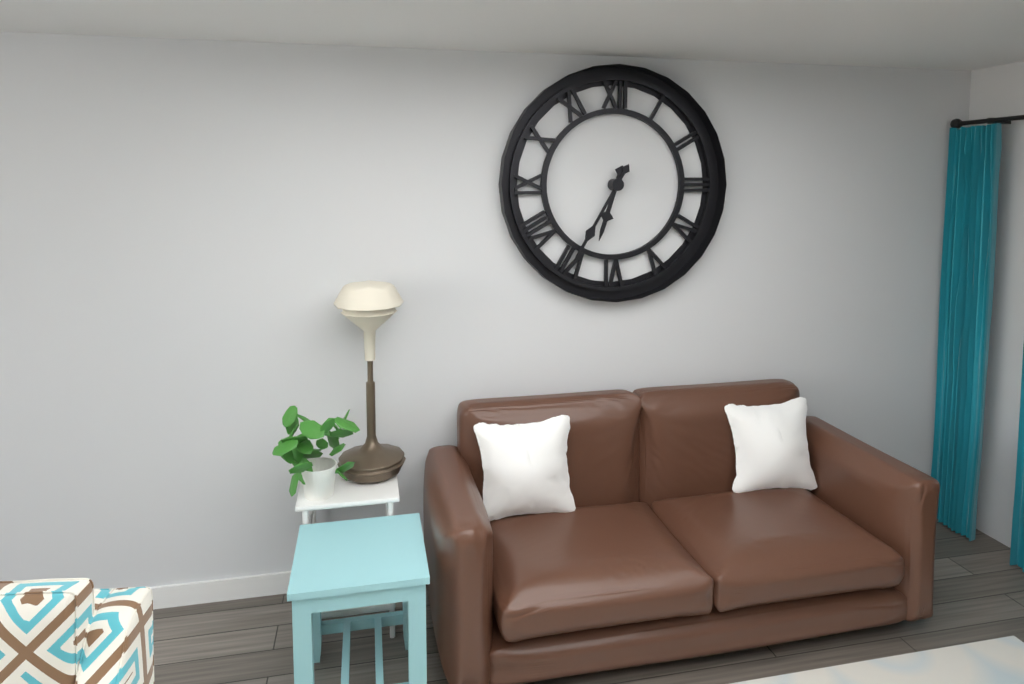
6.35
